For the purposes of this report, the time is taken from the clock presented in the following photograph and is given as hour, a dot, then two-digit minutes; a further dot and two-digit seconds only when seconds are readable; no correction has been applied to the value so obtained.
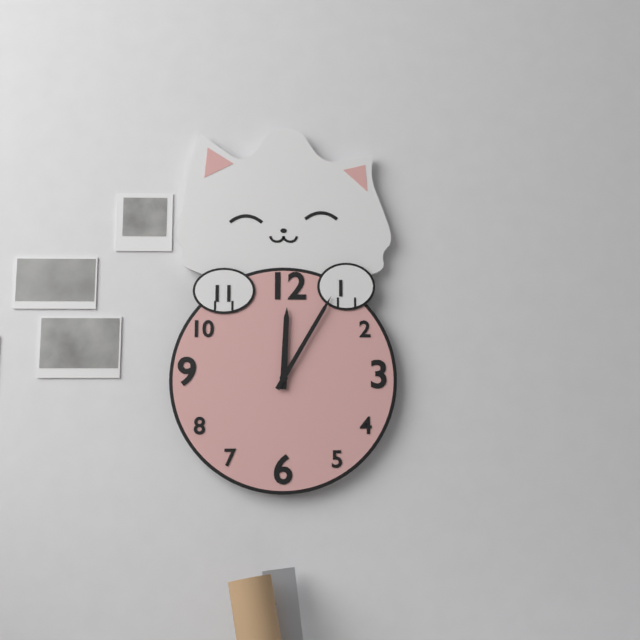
12.05
